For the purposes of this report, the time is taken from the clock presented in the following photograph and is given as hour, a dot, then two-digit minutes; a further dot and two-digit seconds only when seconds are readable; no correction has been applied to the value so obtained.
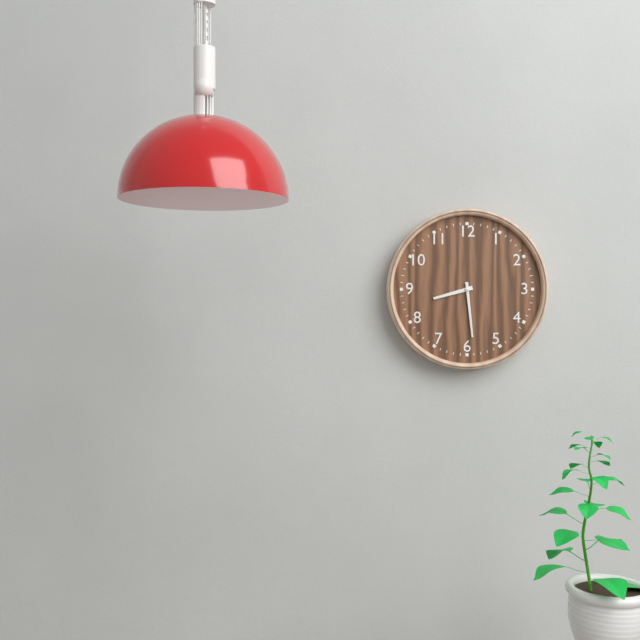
8.29
